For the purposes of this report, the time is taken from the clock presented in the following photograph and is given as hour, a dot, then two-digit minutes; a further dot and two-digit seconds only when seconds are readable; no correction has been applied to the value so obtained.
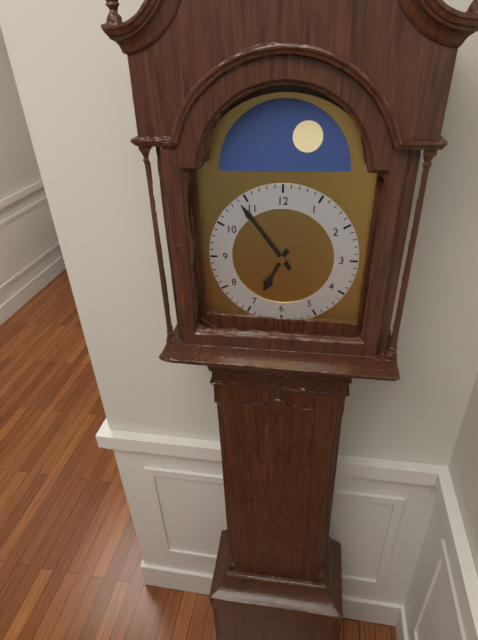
6.54
